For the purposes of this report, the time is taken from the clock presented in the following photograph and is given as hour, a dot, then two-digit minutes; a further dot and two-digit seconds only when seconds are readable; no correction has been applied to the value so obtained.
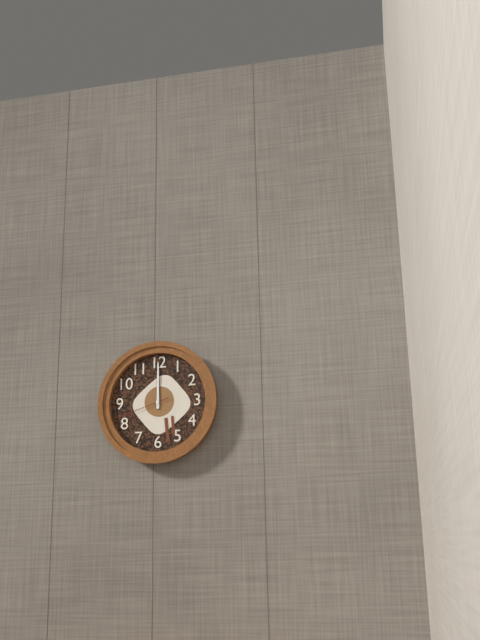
12.00.42
